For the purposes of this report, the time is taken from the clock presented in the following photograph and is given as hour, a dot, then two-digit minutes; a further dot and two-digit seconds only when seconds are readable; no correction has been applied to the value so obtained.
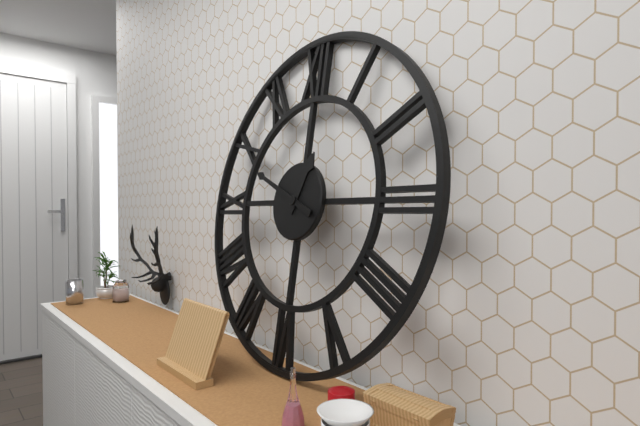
12.49
